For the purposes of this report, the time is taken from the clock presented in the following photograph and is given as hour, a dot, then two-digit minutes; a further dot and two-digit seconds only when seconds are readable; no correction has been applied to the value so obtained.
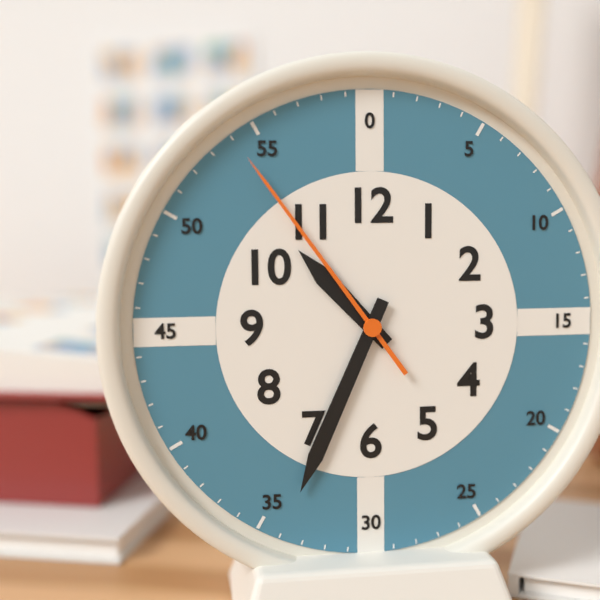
10.34.54
